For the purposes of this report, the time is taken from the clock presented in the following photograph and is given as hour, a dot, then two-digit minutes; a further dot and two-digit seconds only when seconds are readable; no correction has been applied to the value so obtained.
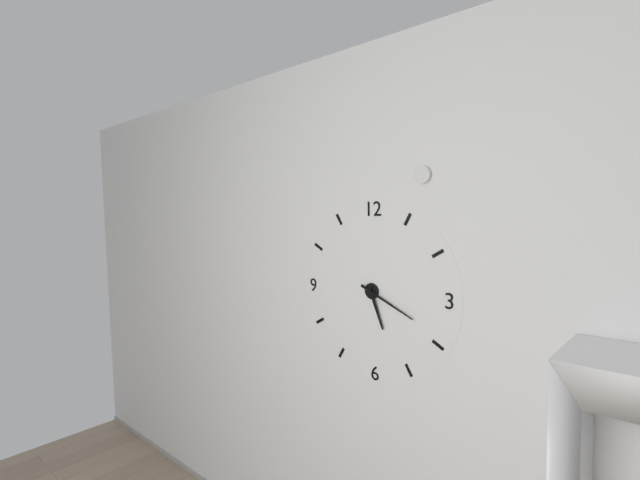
5.19
